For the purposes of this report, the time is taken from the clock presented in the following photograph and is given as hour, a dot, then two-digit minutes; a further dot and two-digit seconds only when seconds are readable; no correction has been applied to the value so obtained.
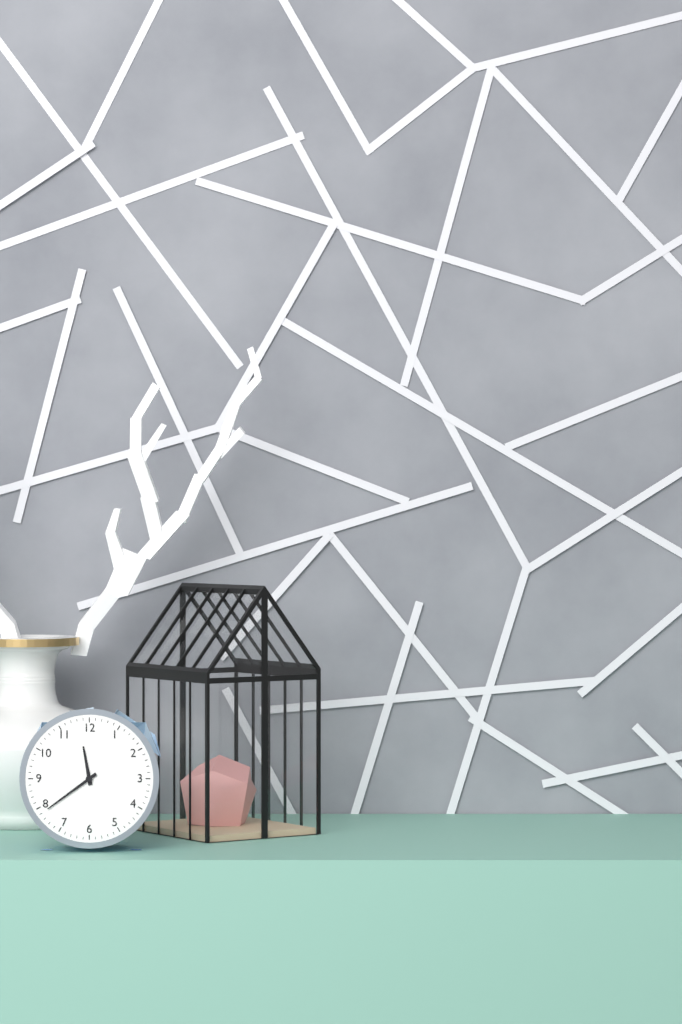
11.39
